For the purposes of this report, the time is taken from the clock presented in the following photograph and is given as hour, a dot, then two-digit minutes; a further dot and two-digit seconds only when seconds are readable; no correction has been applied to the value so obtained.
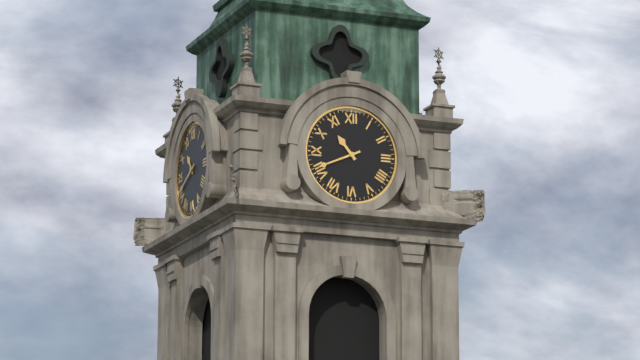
10.41
